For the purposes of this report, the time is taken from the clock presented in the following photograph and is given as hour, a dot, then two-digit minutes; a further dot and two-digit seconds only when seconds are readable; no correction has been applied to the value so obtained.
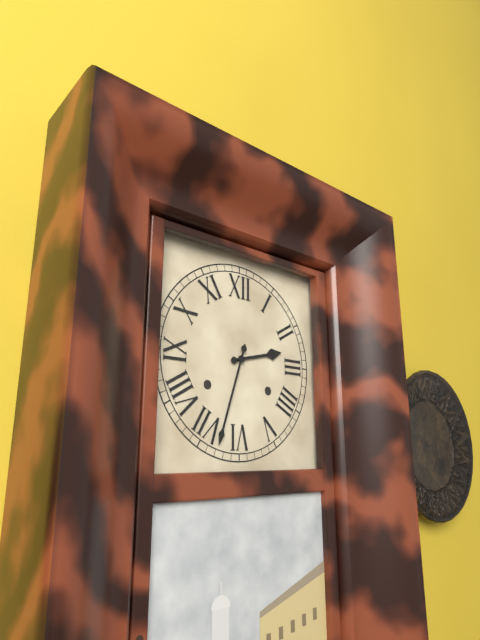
2.33
